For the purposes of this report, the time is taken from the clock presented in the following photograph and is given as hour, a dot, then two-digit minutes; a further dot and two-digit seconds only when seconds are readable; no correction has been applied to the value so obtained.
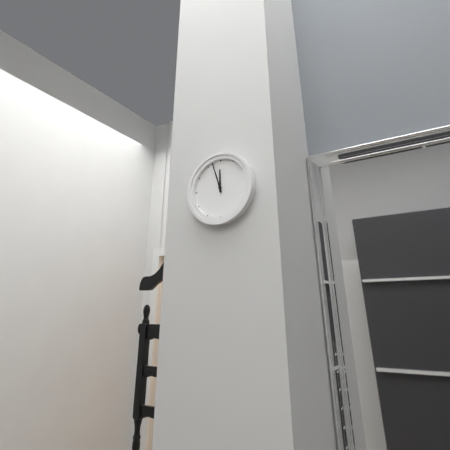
11.57
